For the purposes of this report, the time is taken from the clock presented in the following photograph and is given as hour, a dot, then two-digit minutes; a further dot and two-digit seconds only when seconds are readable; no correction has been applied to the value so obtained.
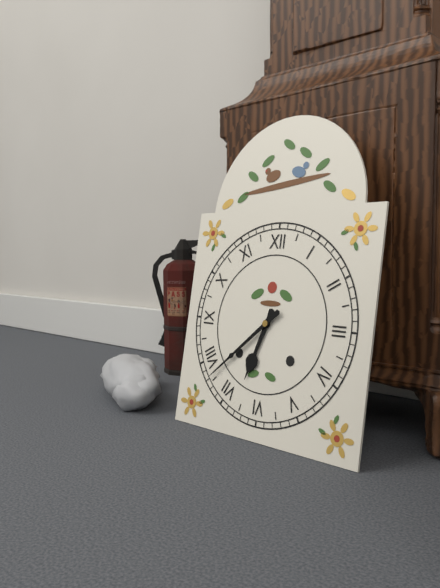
6.38
